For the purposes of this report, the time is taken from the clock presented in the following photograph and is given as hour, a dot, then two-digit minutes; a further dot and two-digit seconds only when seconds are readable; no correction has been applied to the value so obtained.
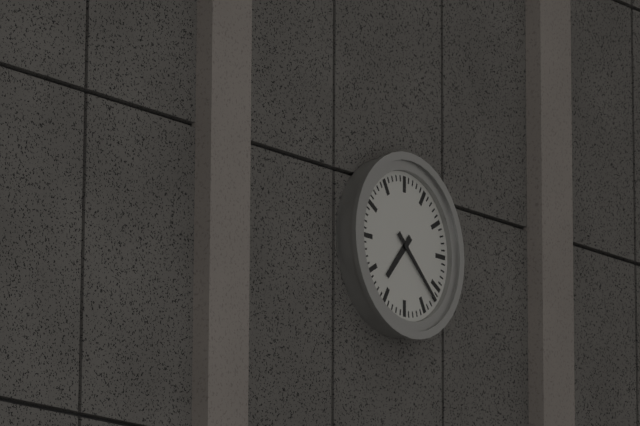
7.22
